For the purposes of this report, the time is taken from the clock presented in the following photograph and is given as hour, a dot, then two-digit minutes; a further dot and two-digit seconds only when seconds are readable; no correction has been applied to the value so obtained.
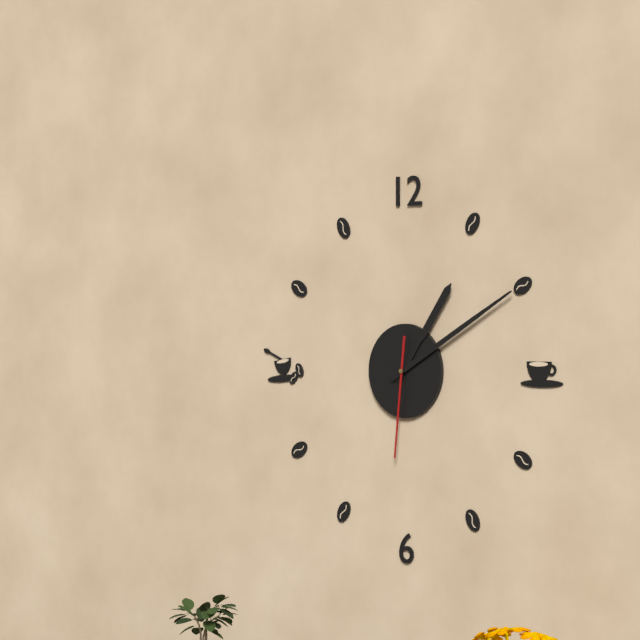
1.10.31
